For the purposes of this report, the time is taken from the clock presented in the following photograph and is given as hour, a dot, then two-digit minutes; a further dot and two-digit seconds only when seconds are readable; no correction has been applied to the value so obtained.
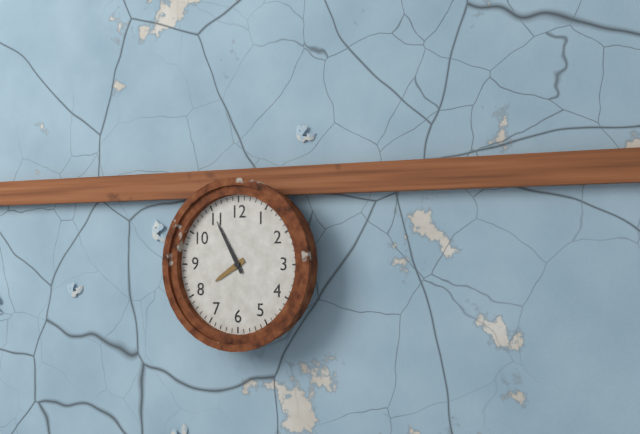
7.55
